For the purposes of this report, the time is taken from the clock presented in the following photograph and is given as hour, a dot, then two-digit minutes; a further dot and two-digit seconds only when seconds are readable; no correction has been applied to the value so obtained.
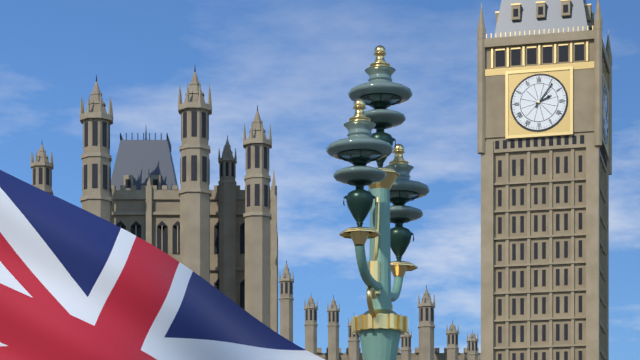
2.06
